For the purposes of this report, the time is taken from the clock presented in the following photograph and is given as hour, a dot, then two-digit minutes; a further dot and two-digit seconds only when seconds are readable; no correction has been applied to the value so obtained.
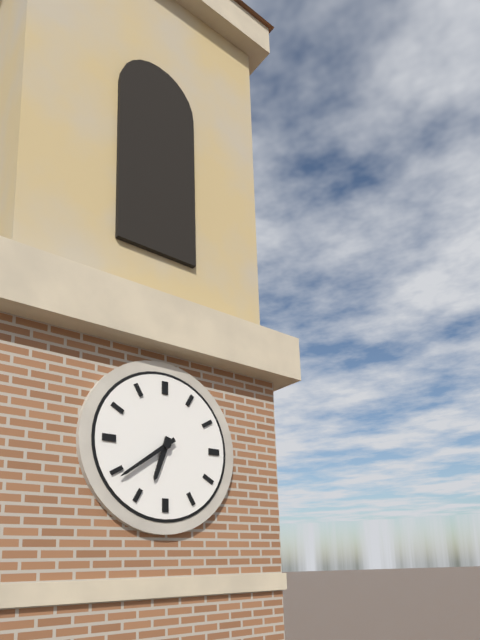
6.39
